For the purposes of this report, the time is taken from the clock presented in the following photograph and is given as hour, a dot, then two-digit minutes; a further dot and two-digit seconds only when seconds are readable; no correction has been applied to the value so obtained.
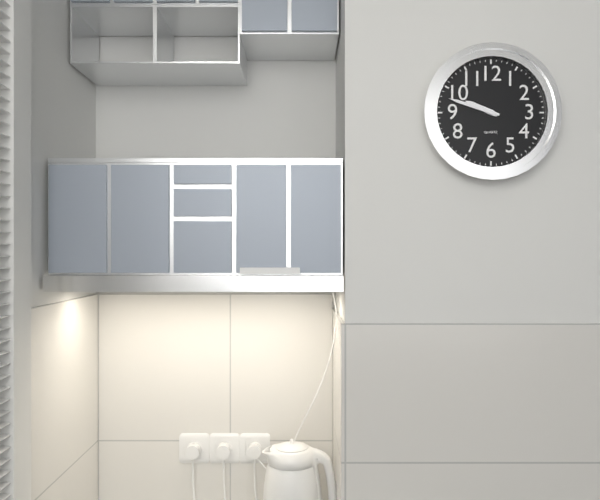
9.48
